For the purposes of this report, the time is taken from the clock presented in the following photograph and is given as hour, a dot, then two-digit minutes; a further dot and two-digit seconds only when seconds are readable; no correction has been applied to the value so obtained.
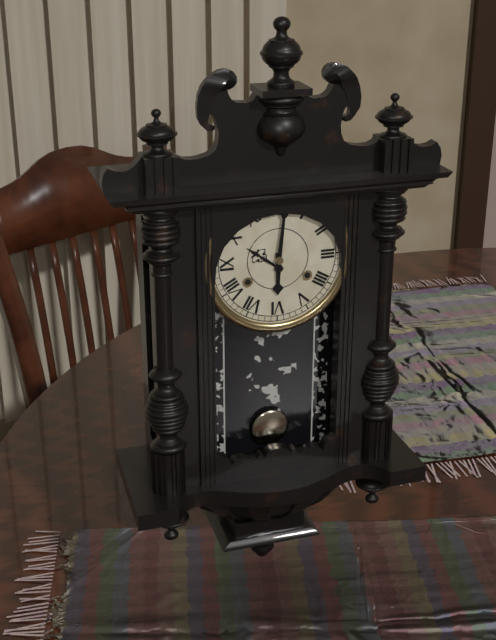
6.01
